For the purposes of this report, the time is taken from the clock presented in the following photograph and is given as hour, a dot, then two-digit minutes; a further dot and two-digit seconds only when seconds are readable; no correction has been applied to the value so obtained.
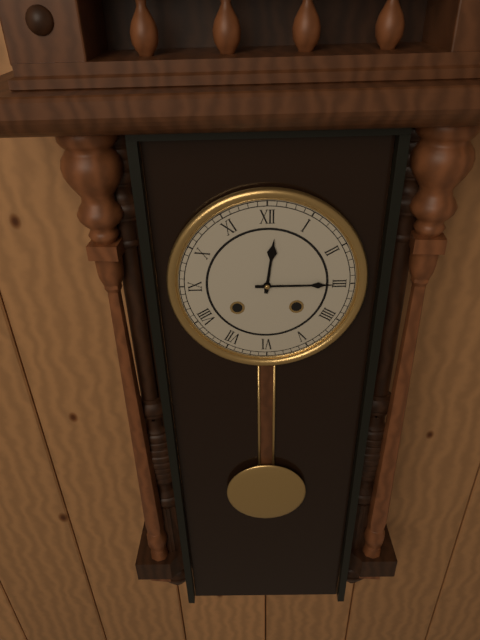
12.15
